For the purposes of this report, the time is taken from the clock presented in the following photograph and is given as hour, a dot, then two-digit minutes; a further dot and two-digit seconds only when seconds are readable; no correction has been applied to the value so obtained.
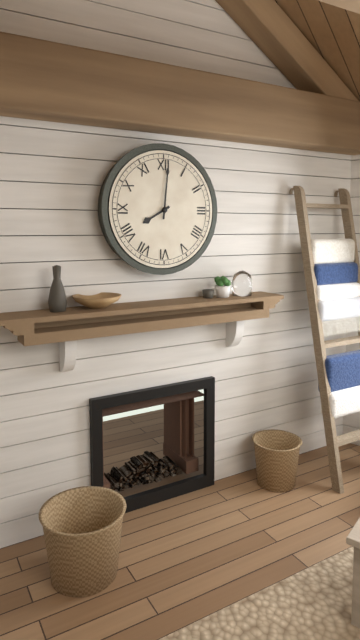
8.01
